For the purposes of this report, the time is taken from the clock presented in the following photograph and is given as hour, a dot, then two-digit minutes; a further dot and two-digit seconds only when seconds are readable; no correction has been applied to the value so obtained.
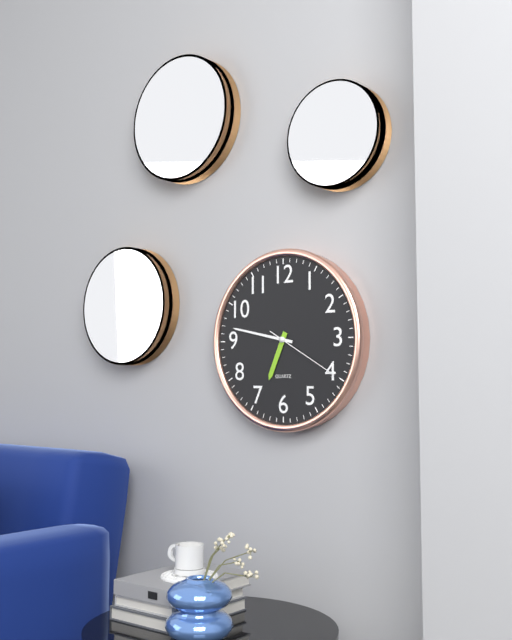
6.47.20
